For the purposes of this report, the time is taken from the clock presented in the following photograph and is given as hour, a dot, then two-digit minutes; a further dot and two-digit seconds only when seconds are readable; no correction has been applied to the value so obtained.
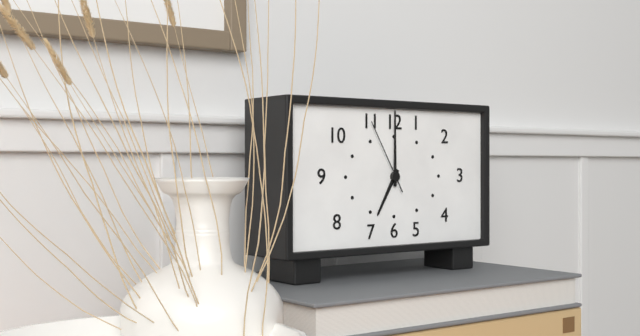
7.00.55
